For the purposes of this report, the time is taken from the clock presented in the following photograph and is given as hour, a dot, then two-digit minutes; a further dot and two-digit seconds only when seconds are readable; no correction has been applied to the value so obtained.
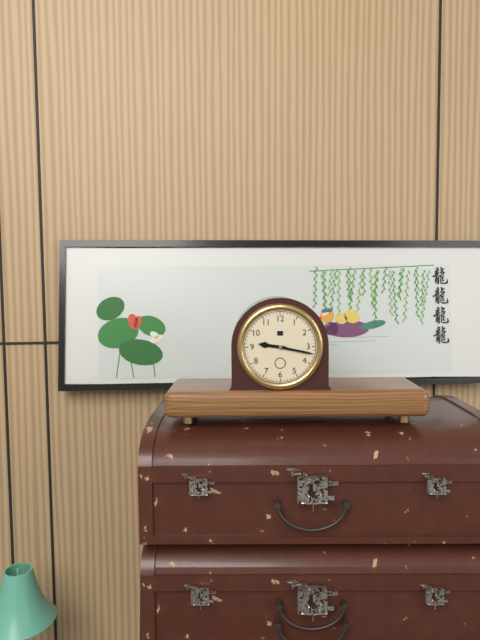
9.17
